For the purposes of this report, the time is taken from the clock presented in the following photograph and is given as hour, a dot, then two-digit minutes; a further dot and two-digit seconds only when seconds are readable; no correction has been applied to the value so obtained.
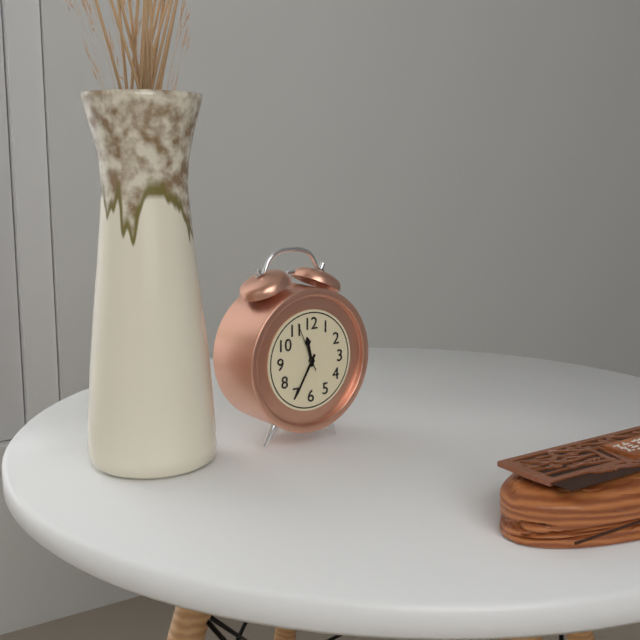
11.35
